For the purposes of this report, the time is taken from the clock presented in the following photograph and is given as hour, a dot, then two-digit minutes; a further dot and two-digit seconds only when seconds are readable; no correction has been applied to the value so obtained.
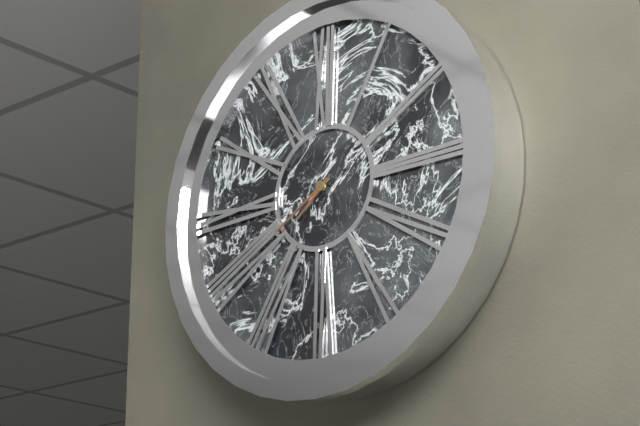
7.40
